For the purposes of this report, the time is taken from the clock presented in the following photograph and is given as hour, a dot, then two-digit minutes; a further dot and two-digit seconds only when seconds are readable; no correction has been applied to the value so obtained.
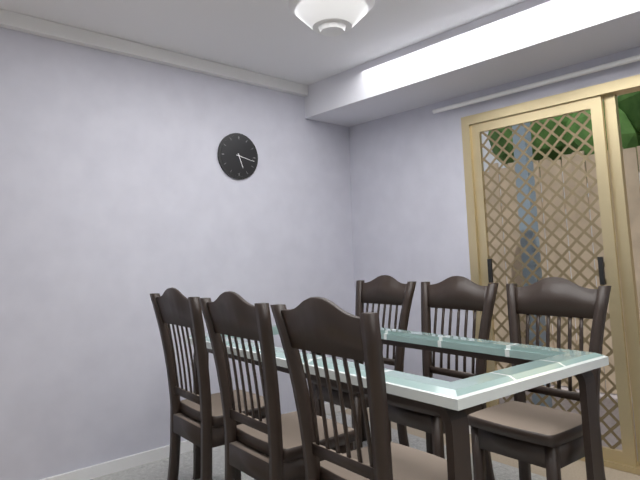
5.17
